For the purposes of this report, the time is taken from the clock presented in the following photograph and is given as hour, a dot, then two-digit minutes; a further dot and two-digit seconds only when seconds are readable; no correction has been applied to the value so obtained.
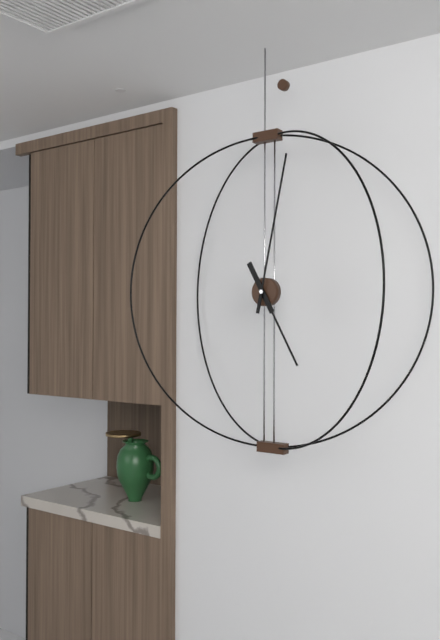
5.02
